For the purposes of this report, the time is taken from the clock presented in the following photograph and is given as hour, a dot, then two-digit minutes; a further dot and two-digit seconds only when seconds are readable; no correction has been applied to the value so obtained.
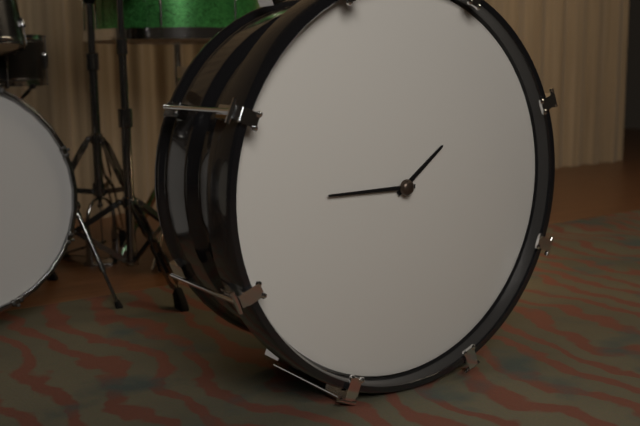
1.45
